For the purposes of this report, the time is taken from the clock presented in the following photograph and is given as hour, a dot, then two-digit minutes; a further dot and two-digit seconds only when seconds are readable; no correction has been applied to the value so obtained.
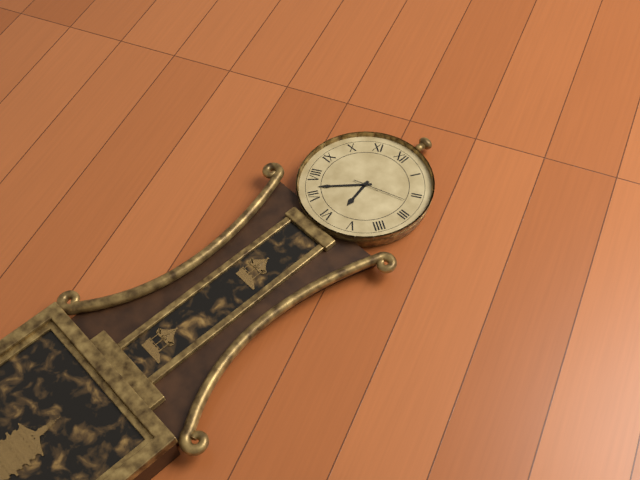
5.37.12
